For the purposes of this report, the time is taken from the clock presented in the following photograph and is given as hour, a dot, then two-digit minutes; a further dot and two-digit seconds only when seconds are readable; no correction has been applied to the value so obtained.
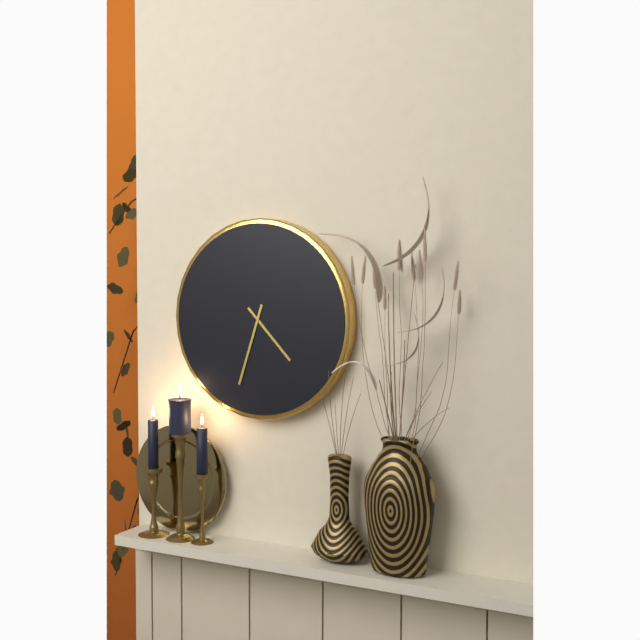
4.33
